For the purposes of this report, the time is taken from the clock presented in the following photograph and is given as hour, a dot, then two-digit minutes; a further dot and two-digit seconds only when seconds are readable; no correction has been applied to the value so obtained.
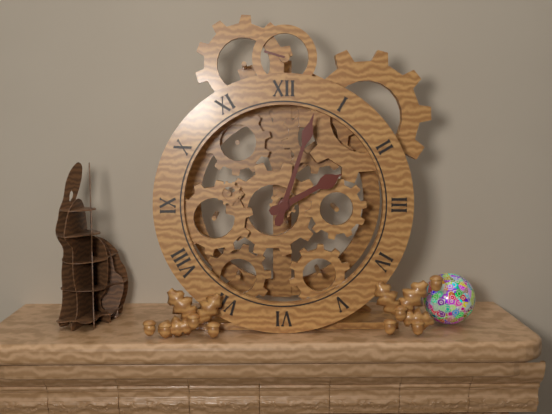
2.03
